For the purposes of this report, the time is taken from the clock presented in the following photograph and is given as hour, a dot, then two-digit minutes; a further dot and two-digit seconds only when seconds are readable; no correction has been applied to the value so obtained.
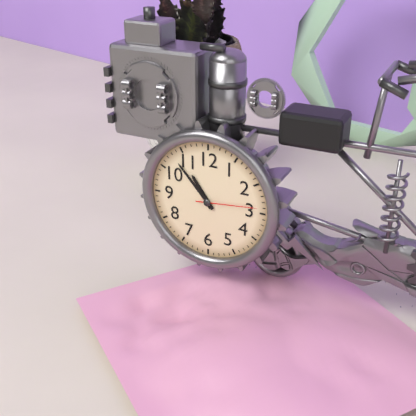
10.53.14
